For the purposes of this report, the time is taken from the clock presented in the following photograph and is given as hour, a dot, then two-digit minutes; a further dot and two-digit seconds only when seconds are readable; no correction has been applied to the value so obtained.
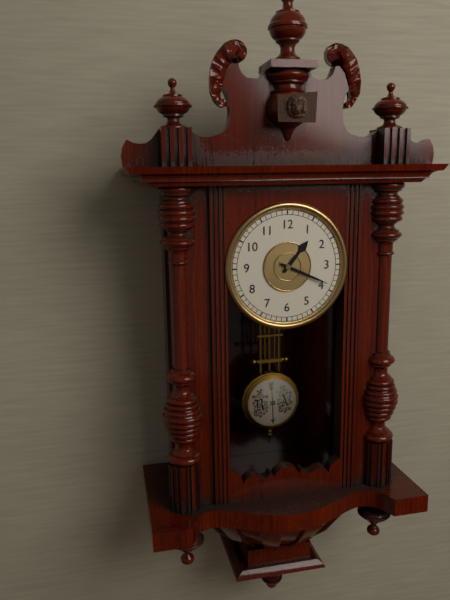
1.19
